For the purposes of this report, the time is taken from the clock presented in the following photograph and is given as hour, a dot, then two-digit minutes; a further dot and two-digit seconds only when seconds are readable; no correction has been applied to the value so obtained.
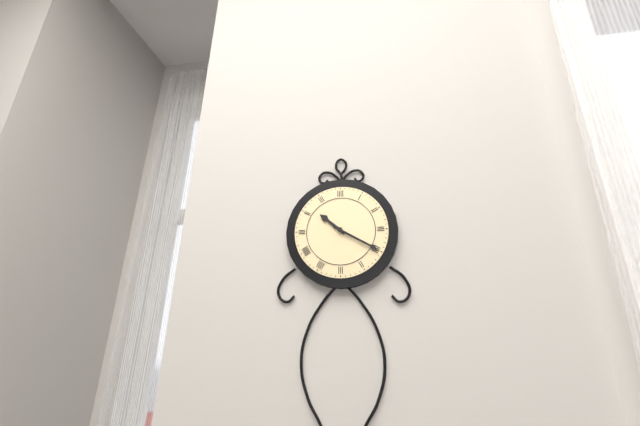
10.20
